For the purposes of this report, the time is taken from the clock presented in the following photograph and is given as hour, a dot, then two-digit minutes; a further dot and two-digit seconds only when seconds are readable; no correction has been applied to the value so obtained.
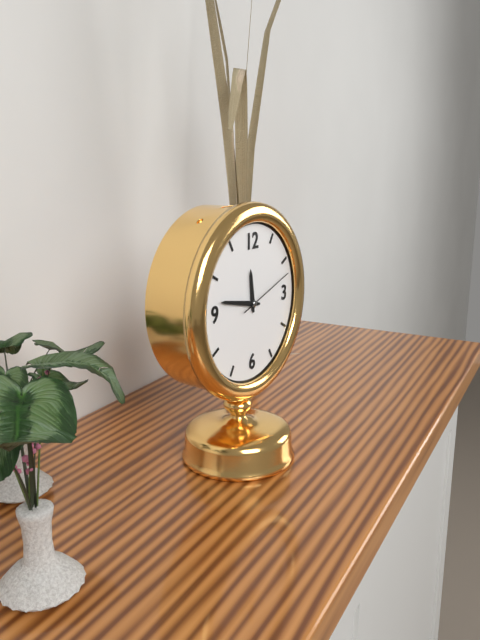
11.47.12
